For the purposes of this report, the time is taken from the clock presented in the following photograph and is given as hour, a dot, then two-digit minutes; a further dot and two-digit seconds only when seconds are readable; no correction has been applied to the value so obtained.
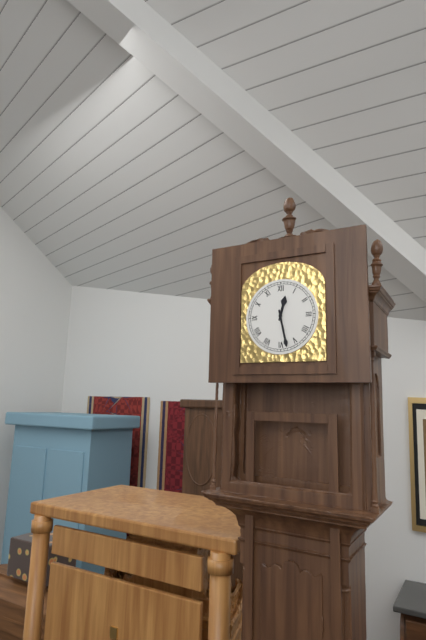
12.28
